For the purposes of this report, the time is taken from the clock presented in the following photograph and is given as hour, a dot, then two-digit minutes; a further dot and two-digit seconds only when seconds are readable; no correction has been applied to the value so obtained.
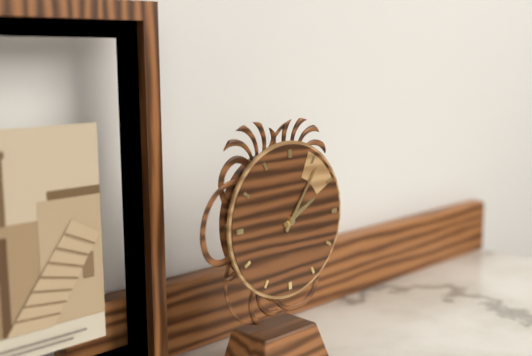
2.06
